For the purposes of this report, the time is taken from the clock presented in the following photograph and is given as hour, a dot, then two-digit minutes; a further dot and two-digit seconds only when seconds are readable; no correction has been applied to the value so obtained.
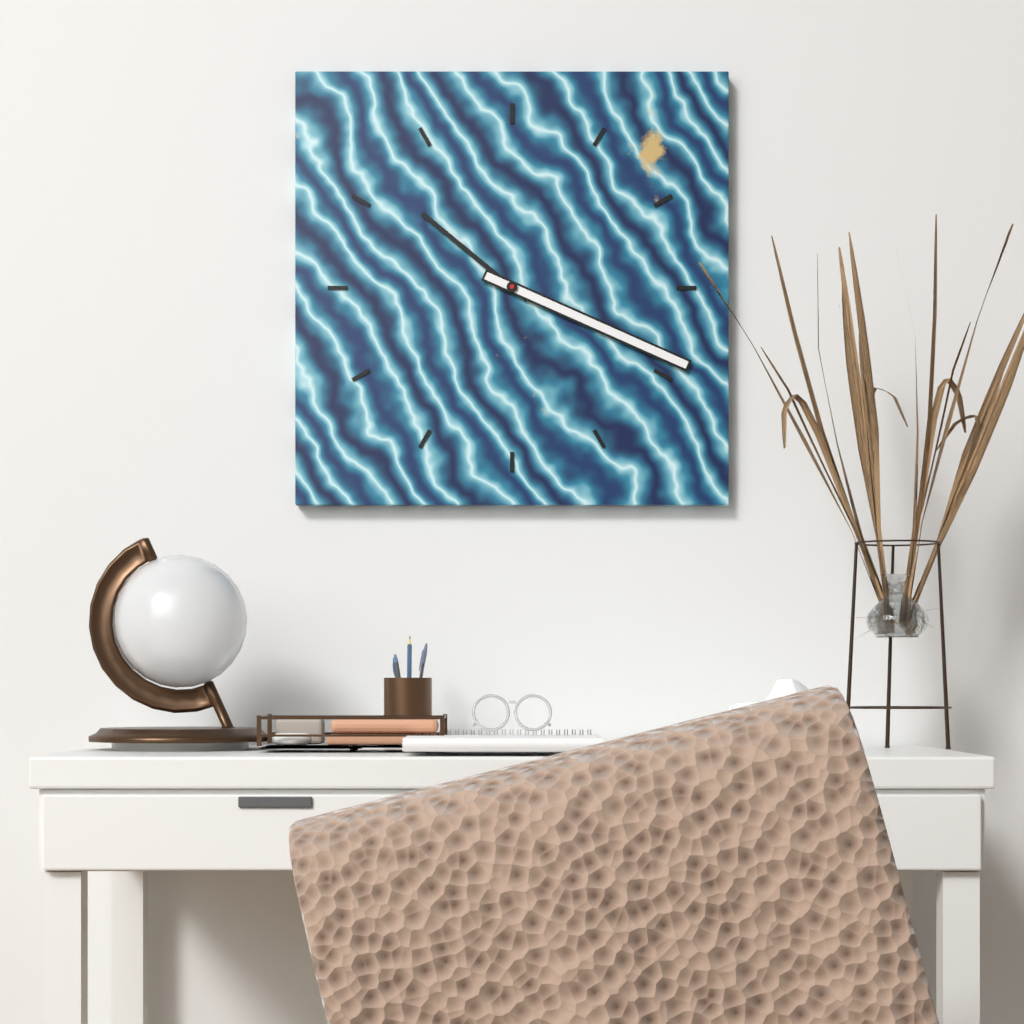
10.19
